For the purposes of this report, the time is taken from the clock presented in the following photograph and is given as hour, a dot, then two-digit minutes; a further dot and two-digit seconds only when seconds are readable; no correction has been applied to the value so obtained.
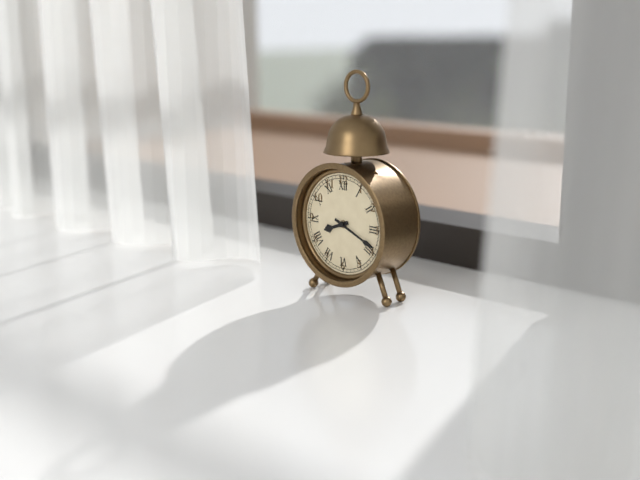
8.19
